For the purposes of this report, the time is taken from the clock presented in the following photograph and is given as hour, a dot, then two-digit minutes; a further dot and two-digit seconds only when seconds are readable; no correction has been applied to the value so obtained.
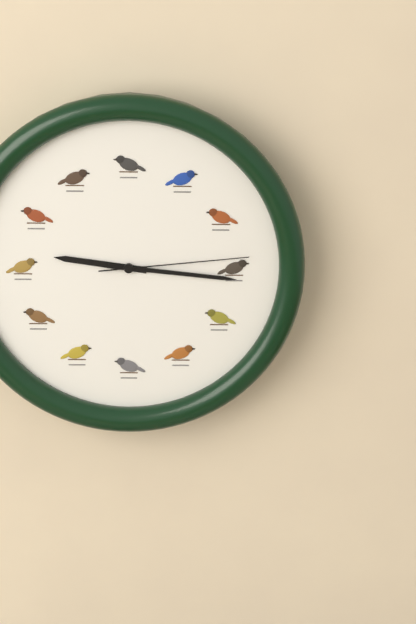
9.16.14
